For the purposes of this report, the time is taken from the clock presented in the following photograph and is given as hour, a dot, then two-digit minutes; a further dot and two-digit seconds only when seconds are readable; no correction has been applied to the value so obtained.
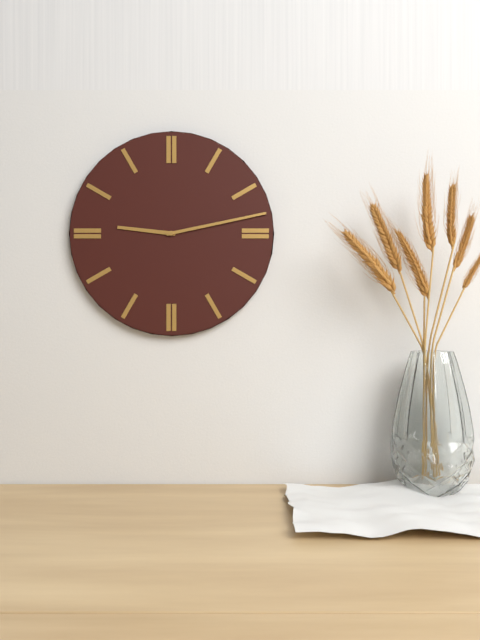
9.13
